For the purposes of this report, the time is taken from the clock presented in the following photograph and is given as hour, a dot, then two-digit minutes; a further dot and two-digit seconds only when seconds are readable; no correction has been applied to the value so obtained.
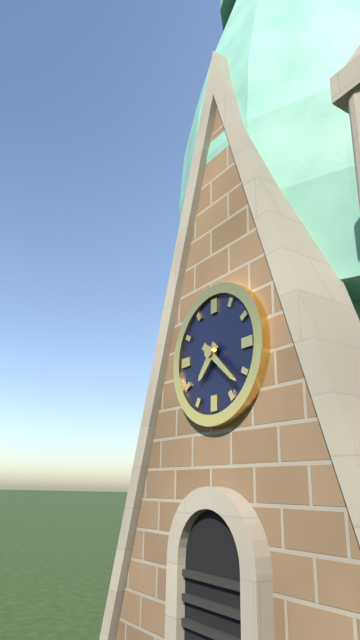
7.22
